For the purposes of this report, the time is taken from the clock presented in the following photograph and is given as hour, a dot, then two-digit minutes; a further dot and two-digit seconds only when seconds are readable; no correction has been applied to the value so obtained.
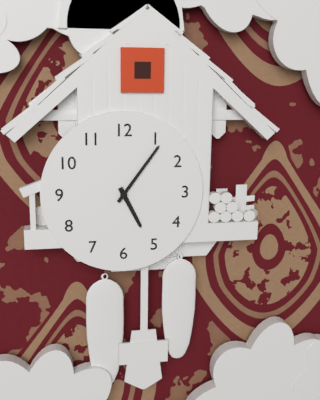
5.06
